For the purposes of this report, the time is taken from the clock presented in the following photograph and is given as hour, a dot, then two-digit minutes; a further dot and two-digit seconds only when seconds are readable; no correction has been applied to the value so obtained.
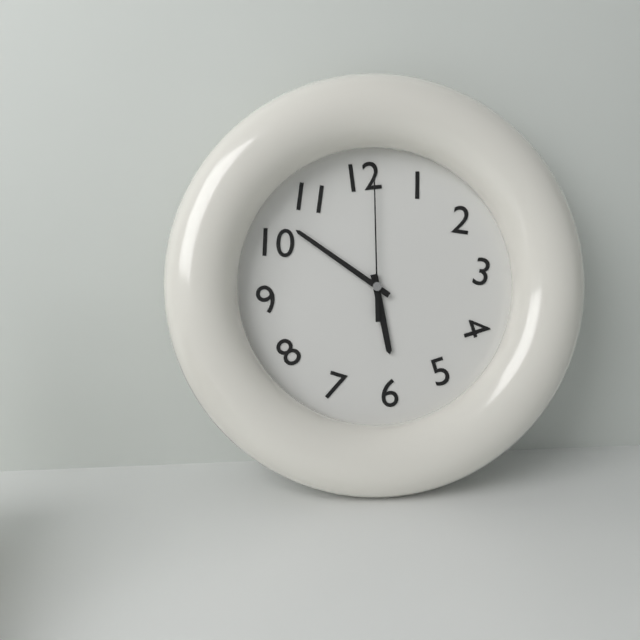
5.52.01
